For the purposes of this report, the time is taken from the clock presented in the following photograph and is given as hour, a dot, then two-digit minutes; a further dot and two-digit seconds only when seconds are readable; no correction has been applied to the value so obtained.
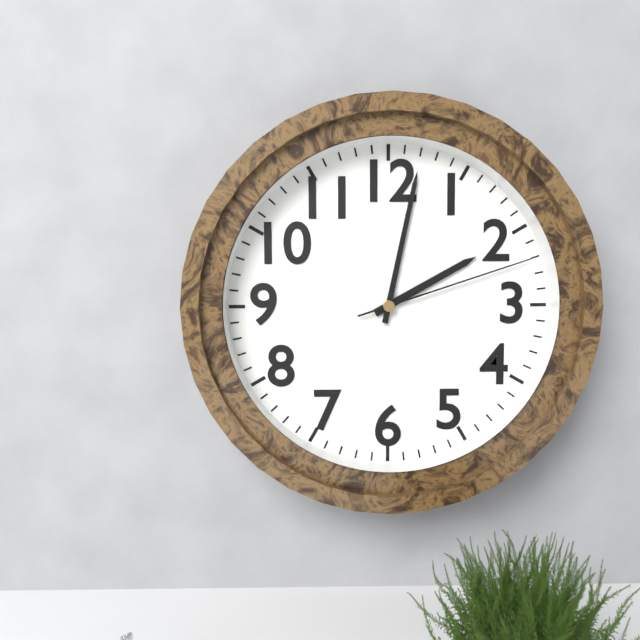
2.02.12
